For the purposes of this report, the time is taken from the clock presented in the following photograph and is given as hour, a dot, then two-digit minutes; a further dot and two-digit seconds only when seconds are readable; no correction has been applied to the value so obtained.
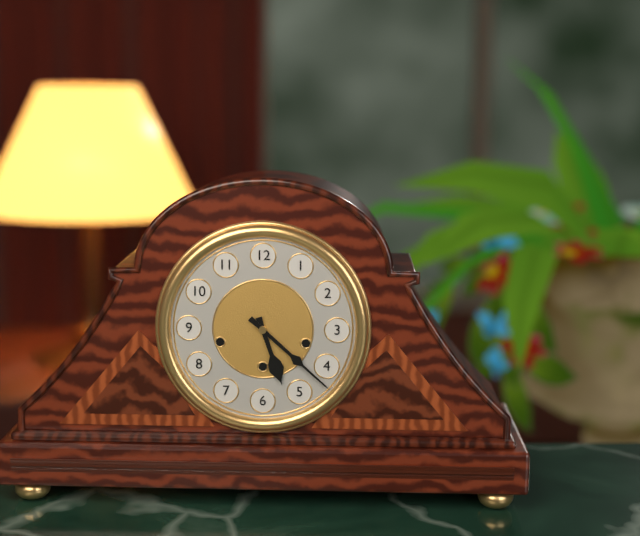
5.22
